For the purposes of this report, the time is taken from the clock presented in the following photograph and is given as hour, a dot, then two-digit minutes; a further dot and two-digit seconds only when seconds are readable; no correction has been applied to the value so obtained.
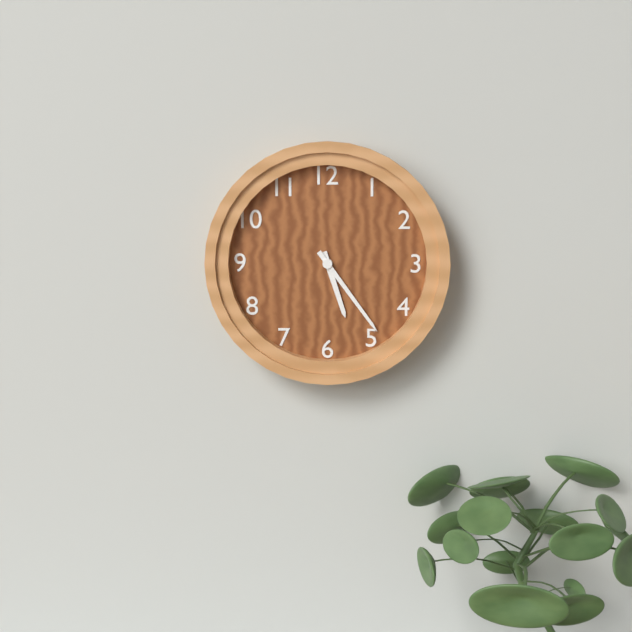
5.24
